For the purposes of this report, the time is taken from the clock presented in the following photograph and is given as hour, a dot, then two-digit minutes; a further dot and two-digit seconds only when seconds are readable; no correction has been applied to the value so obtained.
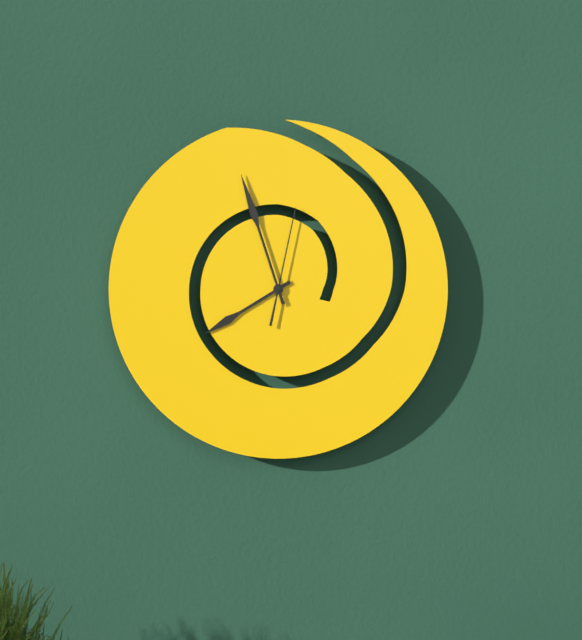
7.57.02
